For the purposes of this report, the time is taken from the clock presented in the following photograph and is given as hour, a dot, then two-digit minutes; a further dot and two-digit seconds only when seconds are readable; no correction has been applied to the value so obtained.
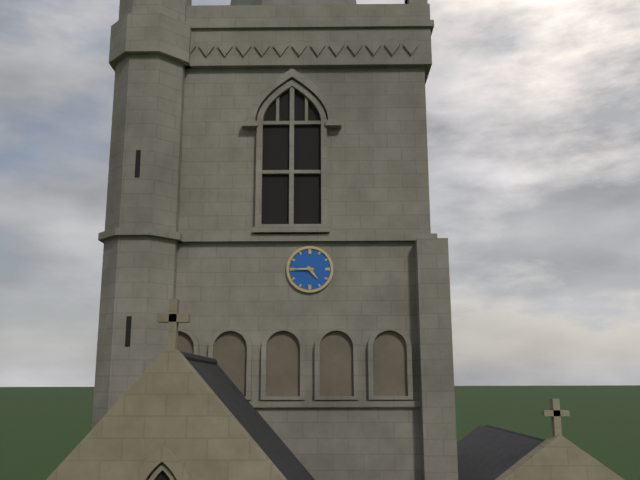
4.45
